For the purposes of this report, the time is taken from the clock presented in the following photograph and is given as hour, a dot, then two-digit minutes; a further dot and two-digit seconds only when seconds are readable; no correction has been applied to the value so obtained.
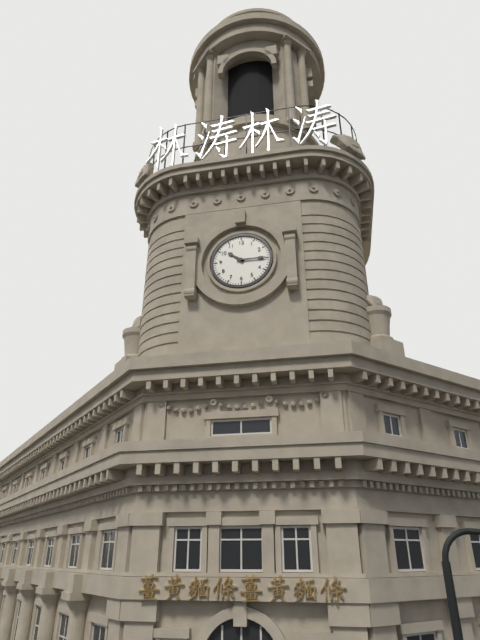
10.15
